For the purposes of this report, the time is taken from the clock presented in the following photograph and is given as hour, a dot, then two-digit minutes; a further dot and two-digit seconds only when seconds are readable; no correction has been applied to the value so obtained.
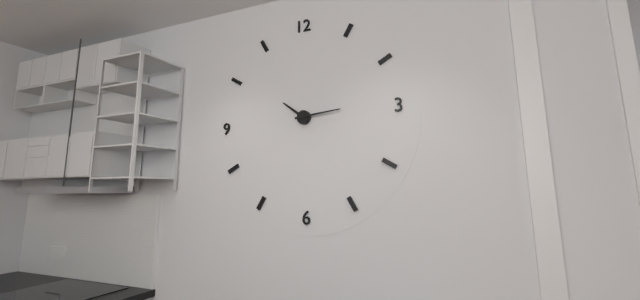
10.14
